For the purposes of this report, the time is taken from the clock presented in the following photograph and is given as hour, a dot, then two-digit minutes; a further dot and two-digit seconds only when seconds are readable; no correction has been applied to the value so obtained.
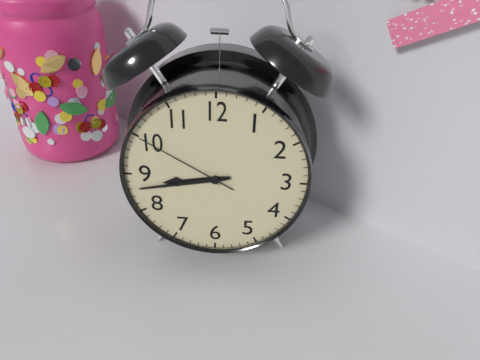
8.43.50
